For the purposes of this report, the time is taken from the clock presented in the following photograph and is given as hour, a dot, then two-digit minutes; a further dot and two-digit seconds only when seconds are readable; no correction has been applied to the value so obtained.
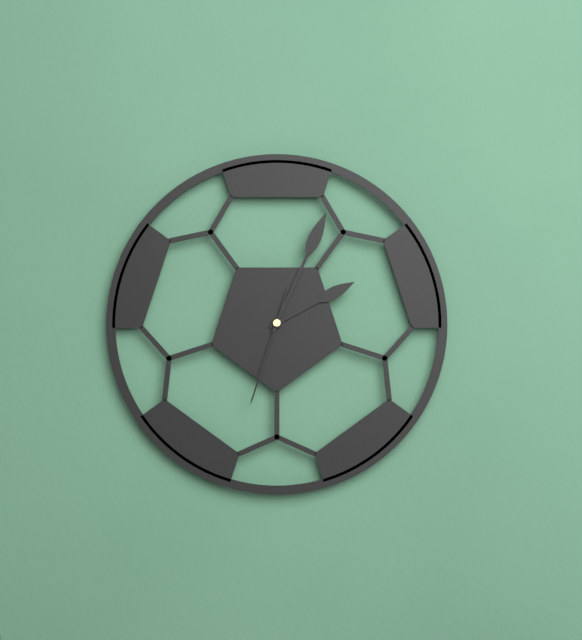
2.04.33
